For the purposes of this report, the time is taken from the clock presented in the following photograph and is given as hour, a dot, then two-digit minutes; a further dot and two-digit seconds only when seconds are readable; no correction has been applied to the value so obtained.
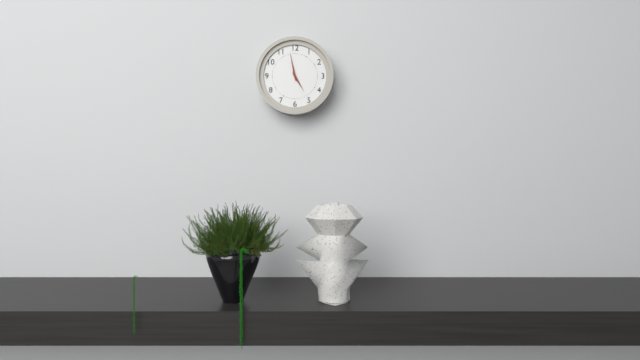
4.58
